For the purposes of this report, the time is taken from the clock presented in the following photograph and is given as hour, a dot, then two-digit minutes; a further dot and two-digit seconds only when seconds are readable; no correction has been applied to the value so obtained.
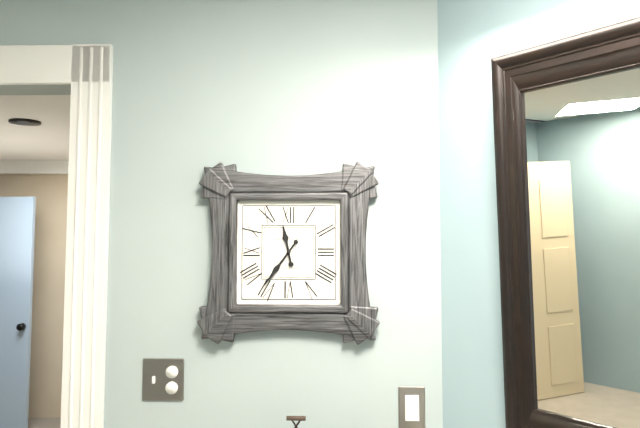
11.36
